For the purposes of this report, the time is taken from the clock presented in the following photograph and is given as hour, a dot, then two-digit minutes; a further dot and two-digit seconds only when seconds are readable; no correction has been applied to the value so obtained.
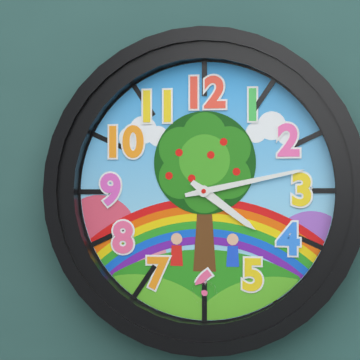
4.13
